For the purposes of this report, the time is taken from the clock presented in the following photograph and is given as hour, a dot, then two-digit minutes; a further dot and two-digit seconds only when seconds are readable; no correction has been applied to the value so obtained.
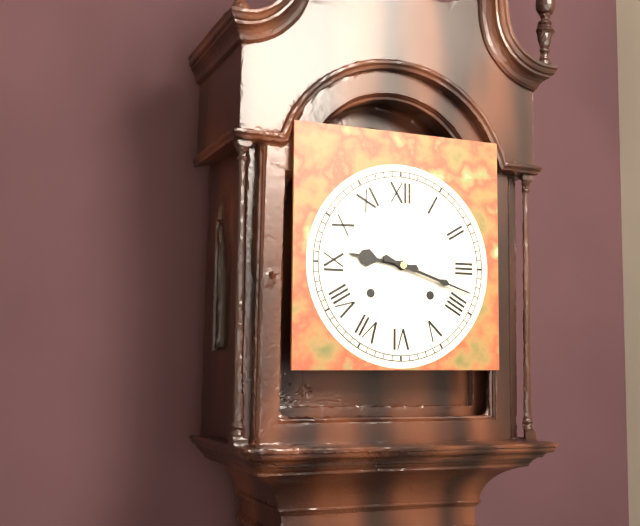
9.18
